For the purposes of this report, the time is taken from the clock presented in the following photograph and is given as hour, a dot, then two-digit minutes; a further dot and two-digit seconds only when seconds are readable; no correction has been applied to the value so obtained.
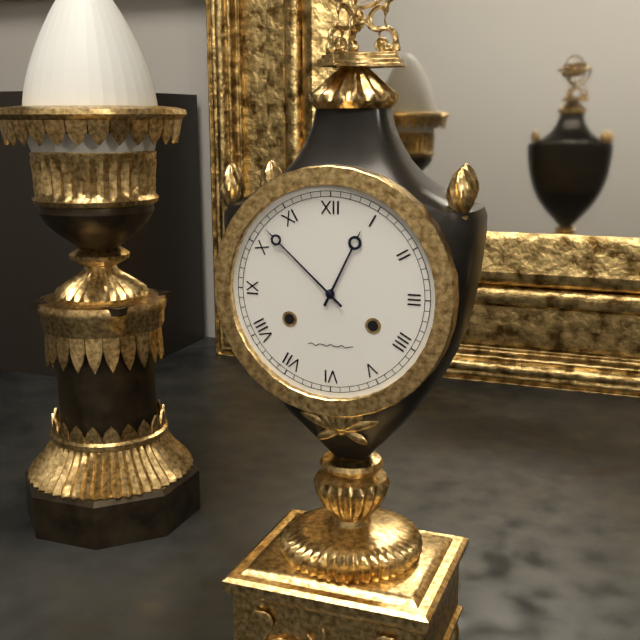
12.52
